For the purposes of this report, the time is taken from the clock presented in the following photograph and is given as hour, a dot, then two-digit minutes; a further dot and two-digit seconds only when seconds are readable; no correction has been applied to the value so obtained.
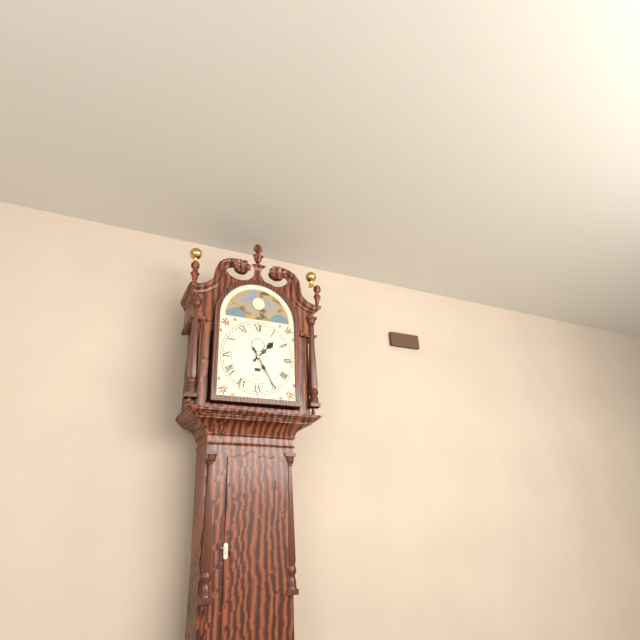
1.25
